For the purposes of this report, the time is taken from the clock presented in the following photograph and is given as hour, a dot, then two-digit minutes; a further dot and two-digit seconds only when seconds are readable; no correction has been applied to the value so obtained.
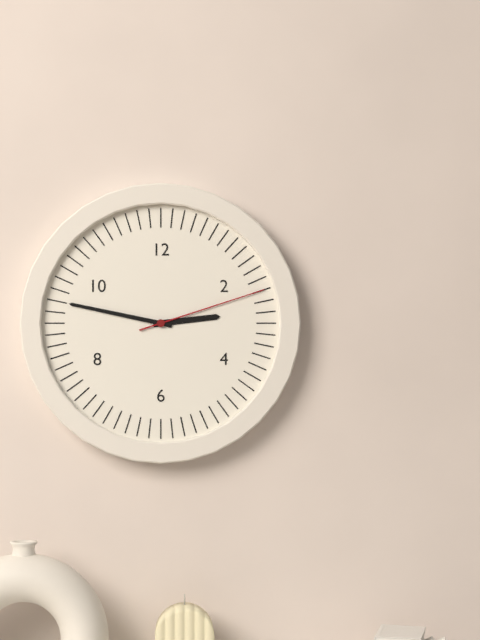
2.47.12
